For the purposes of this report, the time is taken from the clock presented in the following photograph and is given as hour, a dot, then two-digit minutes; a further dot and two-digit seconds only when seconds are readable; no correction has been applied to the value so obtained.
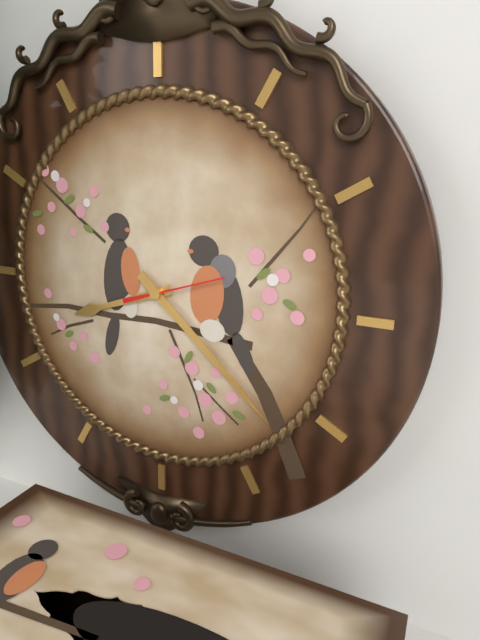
8.22.12
